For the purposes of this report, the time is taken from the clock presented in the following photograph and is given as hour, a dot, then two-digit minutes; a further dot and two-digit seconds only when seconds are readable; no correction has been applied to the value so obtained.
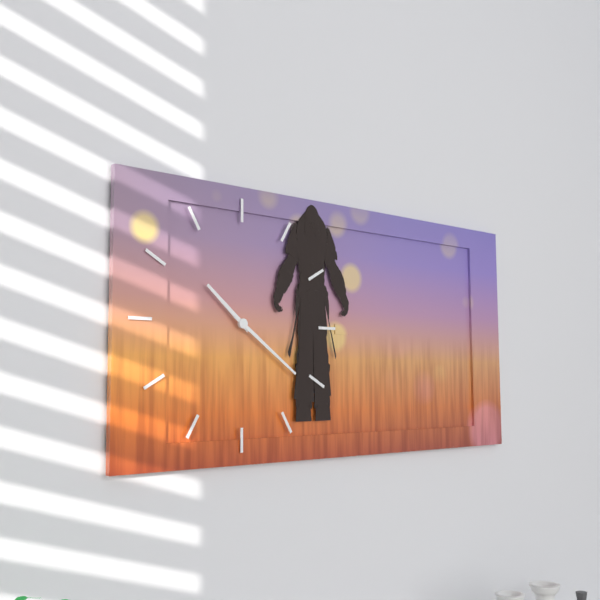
10.21
